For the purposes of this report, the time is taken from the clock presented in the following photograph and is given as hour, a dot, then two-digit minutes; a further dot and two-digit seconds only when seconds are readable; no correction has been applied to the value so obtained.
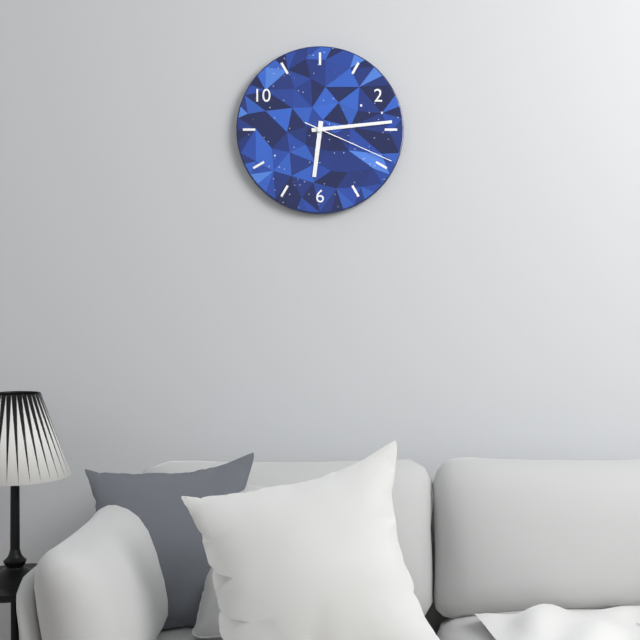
6.14.19
